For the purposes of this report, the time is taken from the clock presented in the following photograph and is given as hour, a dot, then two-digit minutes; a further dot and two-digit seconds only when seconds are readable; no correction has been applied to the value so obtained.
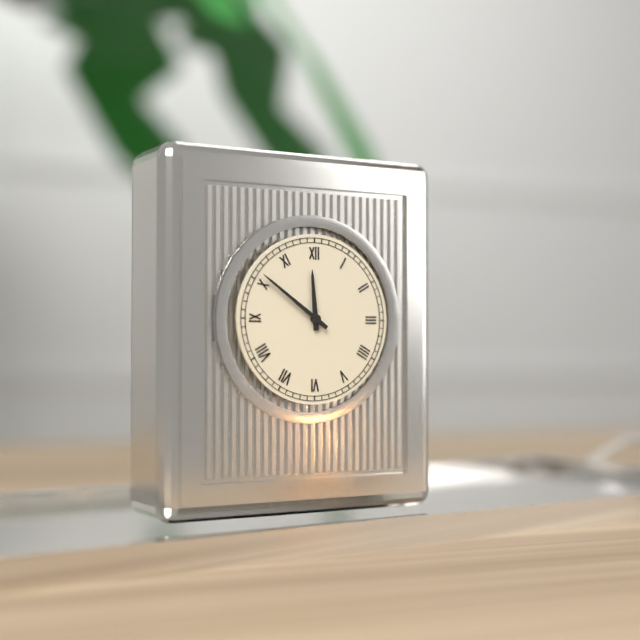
11.51
